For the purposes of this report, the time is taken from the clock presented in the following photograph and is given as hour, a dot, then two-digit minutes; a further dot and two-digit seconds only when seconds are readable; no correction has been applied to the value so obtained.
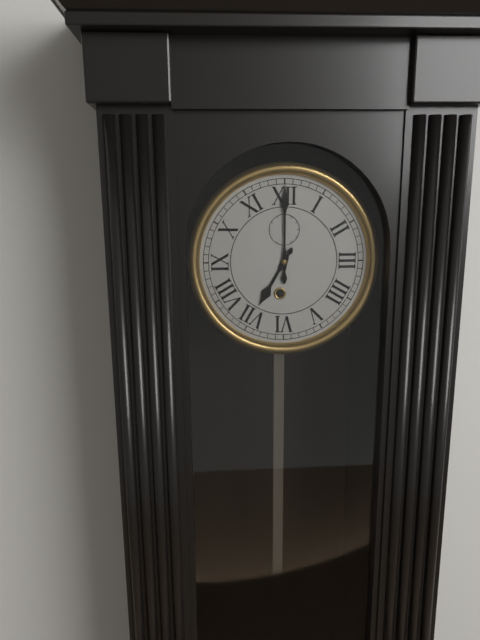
7.00
